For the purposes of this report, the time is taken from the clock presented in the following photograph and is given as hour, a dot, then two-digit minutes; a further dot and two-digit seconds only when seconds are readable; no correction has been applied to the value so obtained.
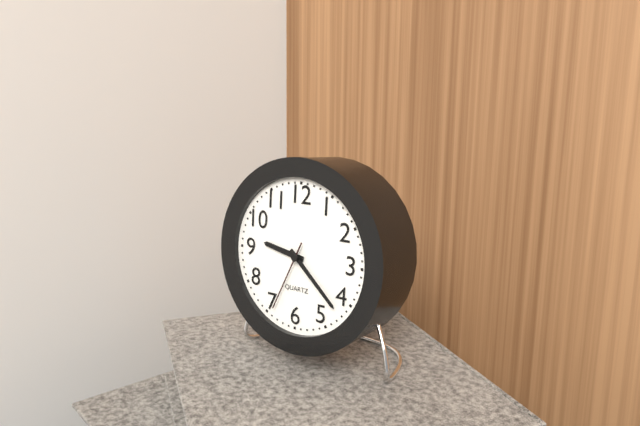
9.22.34
